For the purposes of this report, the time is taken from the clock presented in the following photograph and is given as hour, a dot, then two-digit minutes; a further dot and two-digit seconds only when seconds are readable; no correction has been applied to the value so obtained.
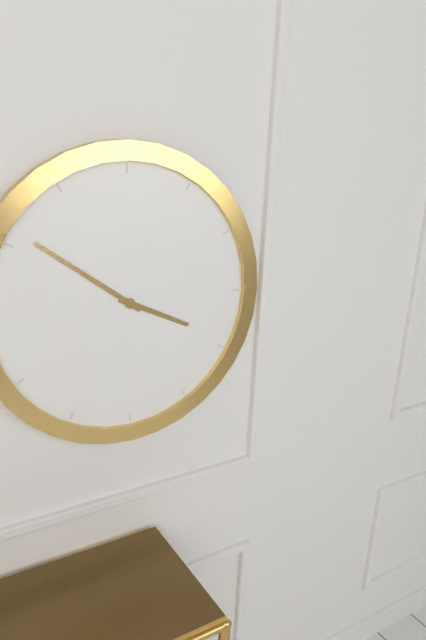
3.51
